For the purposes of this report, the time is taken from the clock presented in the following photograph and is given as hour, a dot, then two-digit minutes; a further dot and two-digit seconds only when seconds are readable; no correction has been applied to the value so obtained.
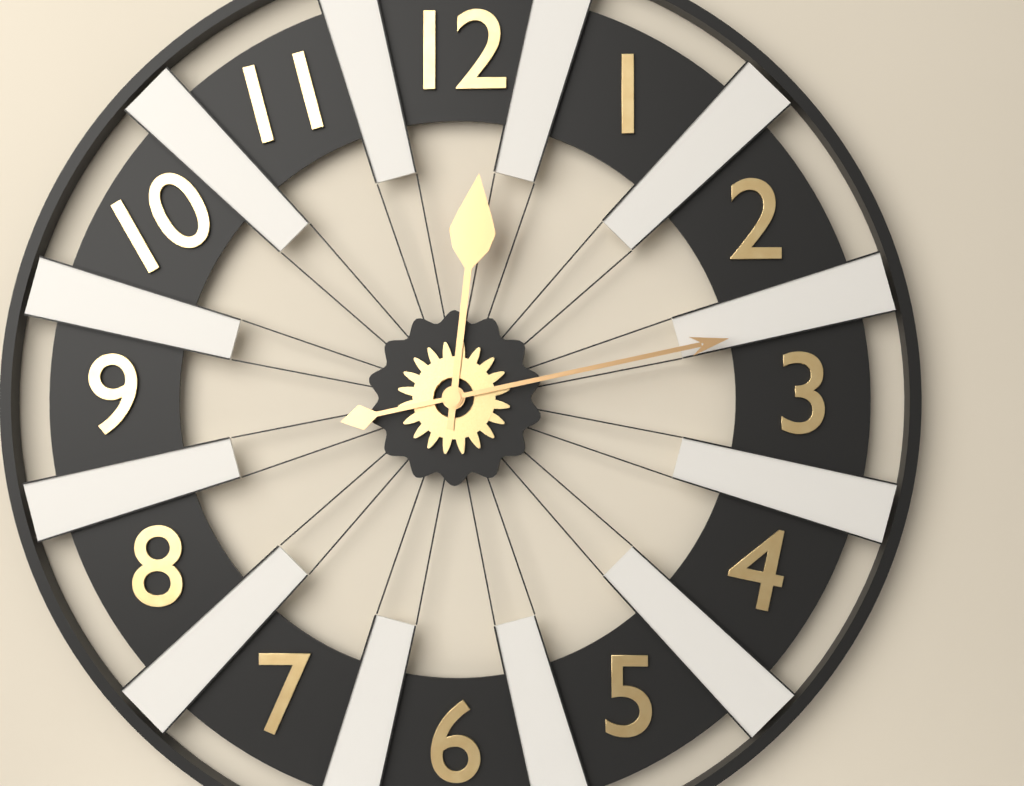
12.13
